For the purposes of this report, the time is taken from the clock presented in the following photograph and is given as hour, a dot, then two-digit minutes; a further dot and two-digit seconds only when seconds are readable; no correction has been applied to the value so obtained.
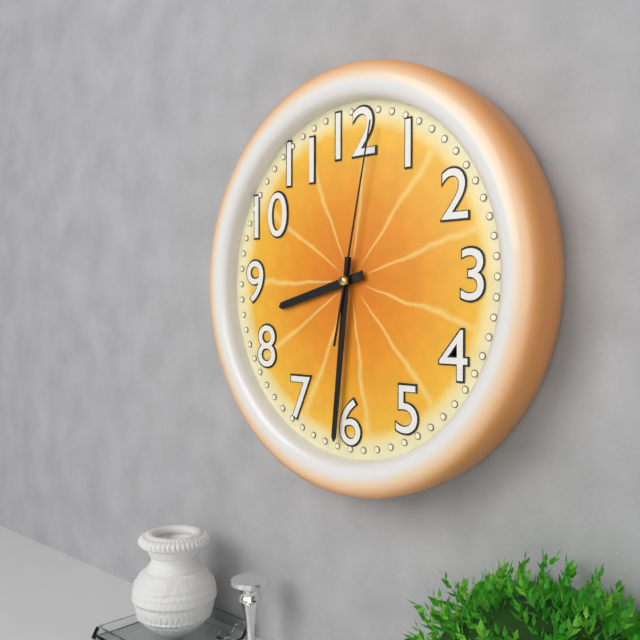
8.31.02
